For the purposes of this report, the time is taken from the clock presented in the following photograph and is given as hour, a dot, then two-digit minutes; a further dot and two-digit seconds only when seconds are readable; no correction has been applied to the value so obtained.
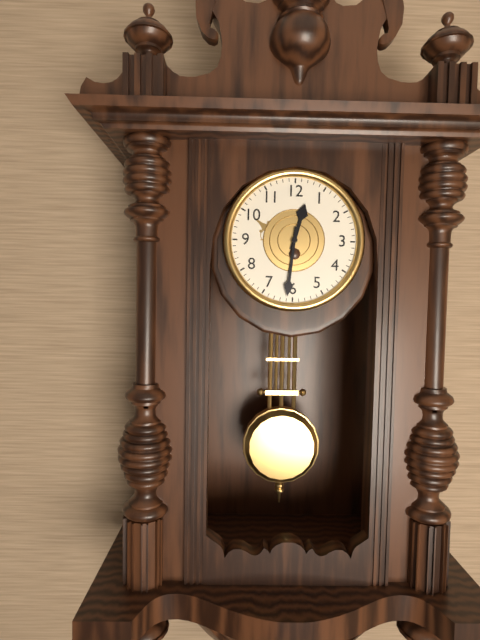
12.31
